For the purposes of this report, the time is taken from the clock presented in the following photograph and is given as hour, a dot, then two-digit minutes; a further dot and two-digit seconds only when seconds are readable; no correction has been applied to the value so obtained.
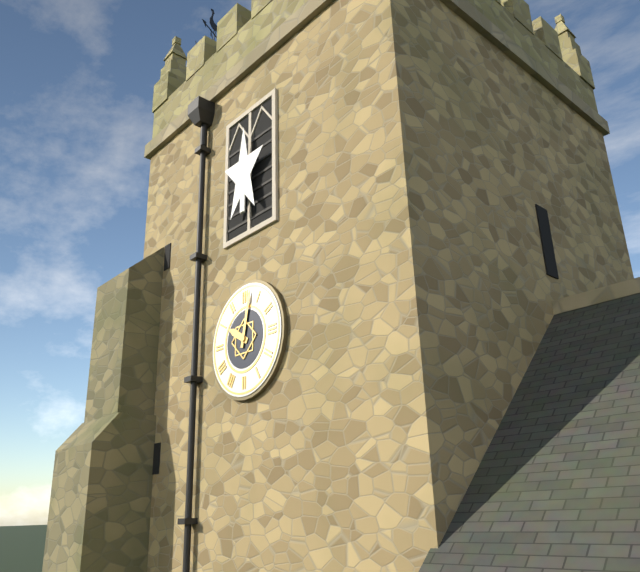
10.02
